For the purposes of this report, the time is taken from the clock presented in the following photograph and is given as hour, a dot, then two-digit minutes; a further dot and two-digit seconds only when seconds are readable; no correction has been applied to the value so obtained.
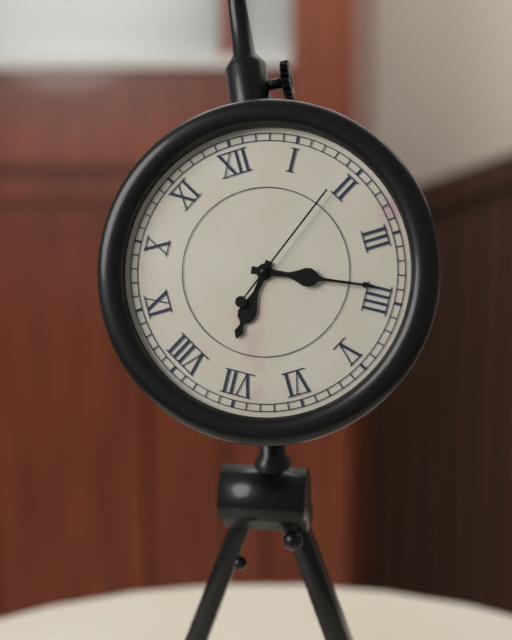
7.19.09
